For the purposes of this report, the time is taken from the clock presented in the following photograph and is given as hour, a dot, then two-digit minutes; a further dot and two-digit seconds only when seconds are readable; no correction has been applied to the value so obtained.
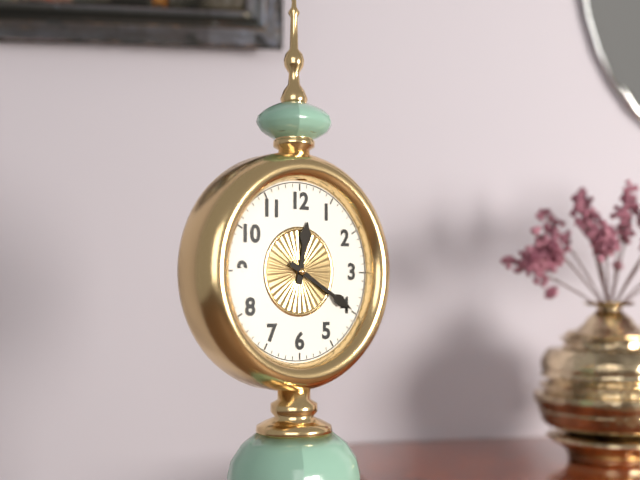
12.20
